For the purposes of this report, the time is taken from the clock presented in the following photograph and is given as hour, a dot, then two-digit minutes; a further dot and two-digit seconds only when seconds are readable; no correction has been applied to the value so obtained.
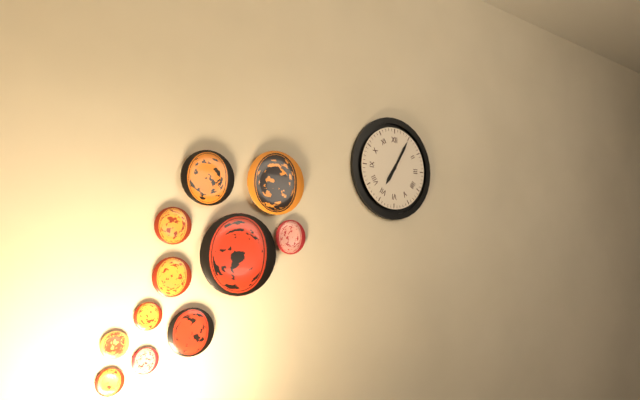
7.05
